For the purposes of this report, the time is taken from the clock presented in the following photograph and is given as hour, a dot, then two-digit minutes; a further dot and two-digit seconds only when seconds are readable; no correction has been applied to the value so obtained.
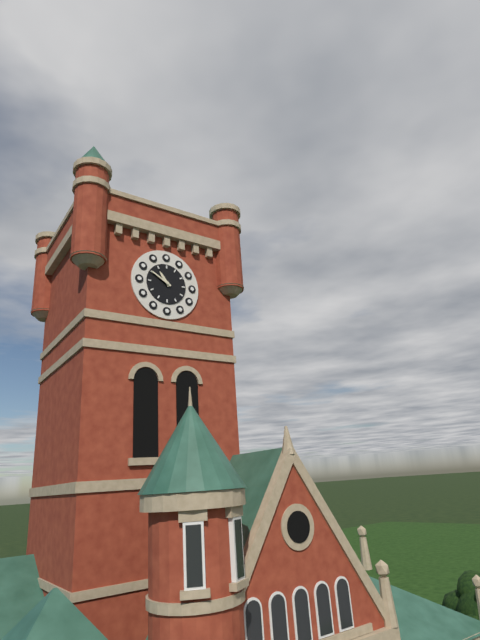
10.50
